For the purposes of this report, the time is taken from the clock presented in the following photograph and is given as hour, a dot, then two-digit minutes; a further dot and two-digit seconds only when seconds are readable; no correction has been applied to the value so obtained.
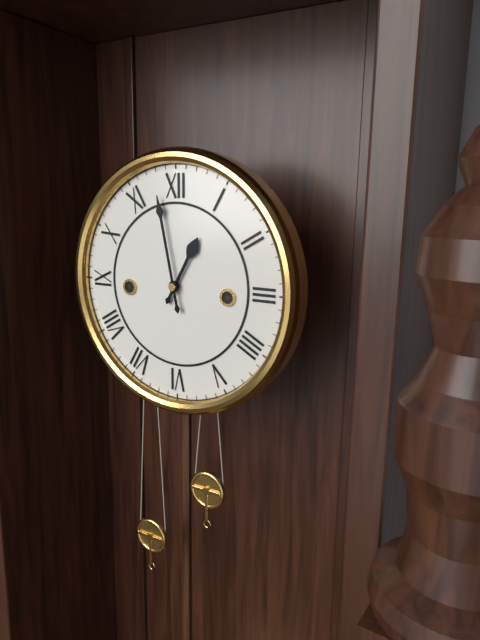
12.58
